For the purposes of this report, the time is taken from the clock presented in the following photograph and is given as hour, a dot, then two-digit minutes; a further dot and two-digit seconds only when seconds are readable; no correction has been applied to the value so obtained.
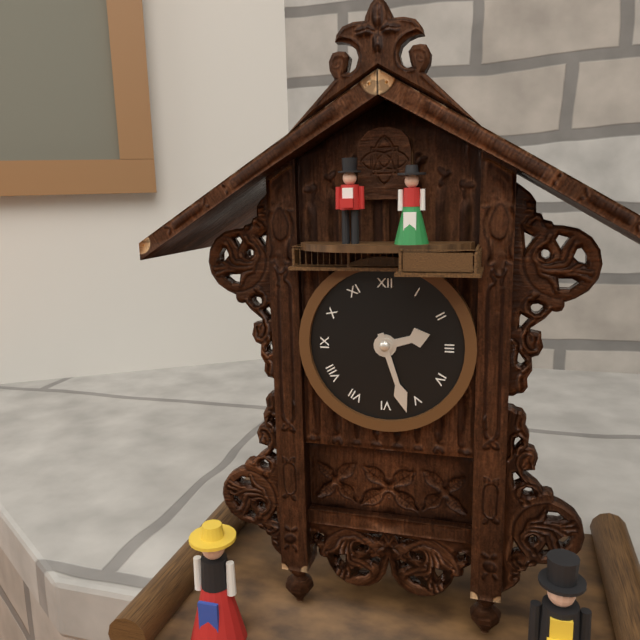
2.27
